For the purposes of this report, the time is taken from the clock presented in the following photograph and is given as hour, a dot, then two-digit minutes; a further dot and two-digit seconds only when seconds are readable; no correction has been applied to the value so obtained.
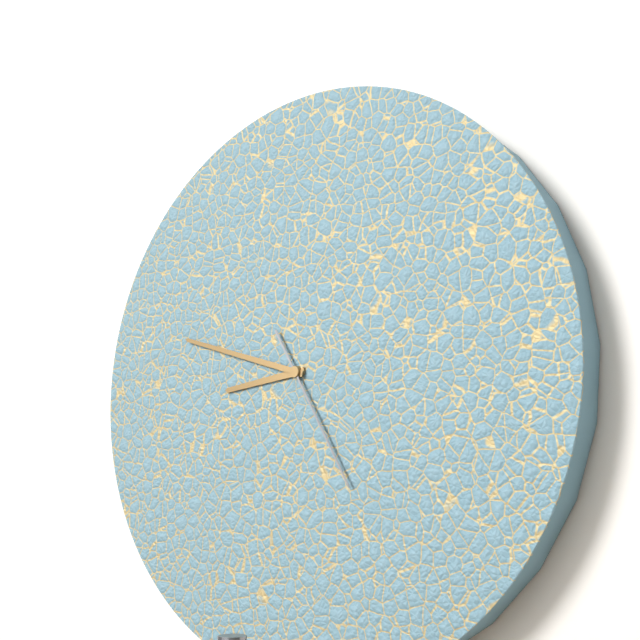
8.48.25
